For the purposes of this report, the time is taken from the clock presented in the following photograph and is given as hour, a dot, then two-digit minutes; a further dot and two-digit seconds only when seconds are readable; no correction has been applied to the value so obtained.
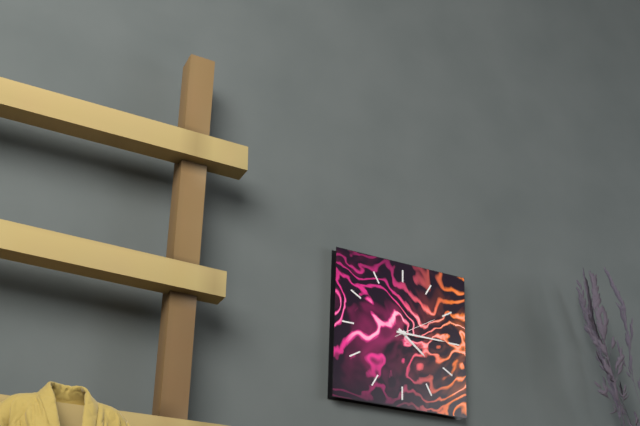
4.15
